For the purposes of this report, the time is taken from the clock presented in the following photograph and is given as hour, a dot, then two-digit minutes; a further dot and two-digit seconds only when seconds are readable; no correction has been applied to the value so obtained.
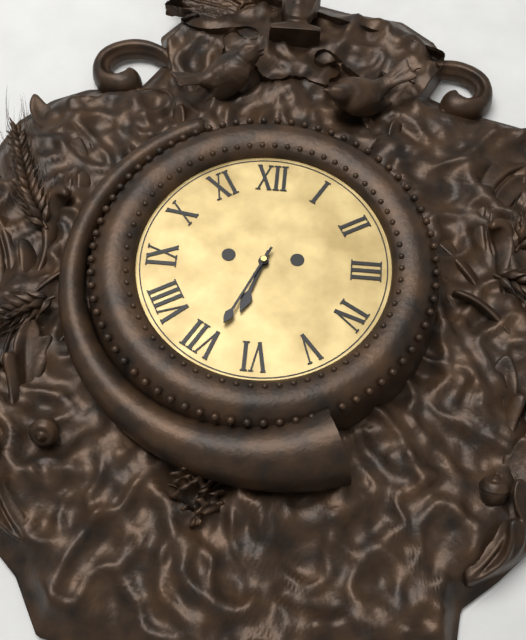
6.34
